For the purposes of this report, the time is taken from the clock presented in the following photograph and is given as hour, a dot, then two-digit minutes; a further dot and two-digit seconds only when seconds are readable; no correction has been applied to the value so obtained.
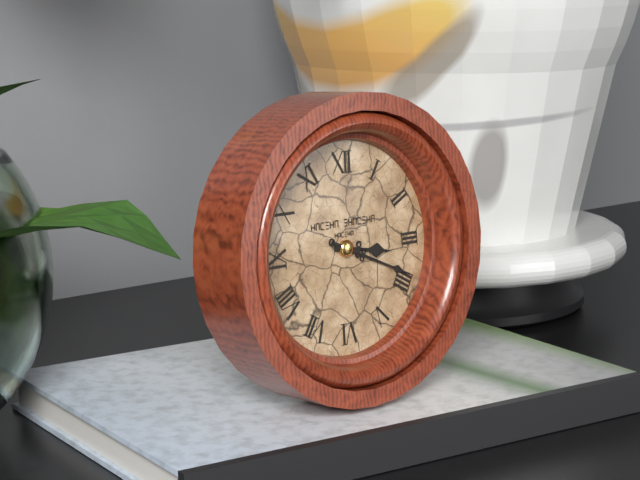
3.19
